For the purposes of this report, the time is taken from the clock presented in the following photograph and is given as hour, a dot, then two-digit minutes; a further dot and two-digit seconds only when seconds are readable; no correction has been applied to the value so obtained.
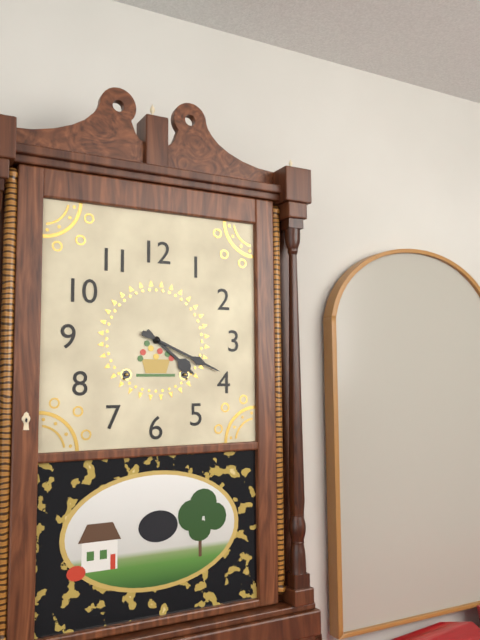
4.19
